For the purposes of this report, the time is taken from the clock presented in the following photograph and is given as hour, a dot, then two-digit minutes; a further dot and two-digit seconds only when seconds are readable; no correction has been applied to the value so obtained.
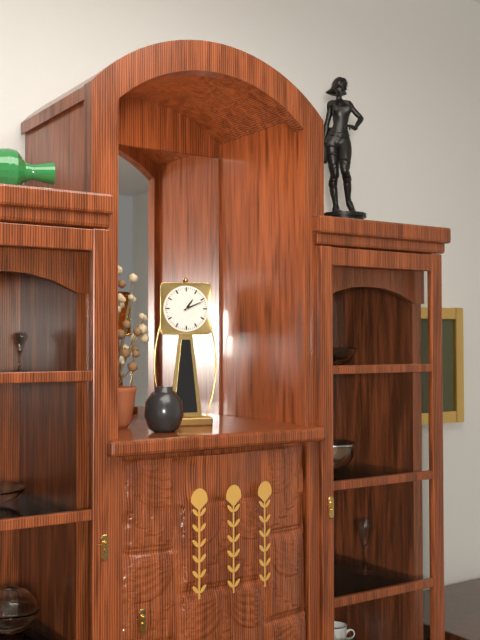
1.11
